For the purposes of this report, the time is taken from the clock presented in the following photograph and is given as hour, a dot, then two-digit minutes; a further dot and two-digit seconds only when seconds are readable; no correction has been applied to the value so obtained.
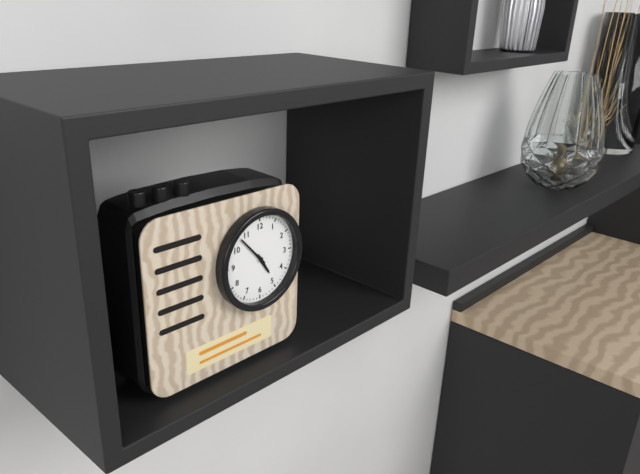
4.53
